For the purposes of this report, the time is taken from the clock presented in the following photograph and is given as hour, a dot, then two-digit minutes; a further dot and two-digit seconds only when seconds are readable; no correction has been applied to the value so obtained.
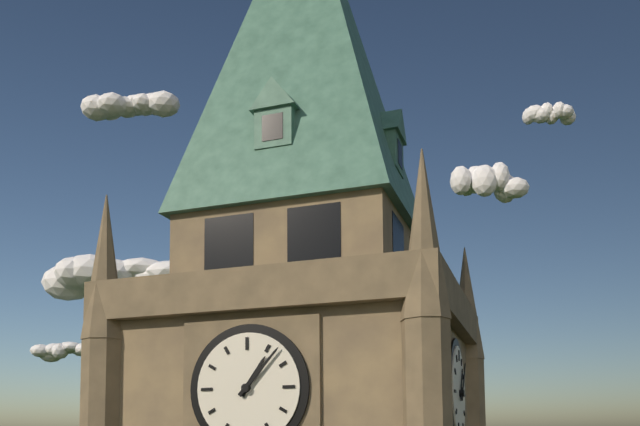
1.07
